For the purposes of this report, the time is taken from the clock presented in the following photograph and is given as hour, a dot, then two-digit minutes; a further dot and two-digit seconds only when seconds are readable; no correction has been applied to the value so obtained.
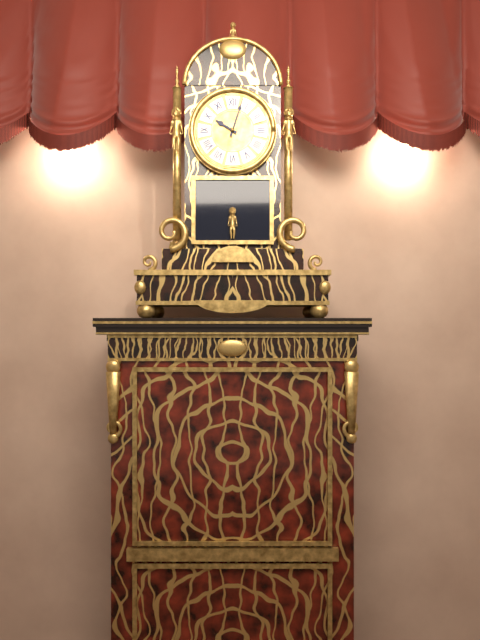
10.03
